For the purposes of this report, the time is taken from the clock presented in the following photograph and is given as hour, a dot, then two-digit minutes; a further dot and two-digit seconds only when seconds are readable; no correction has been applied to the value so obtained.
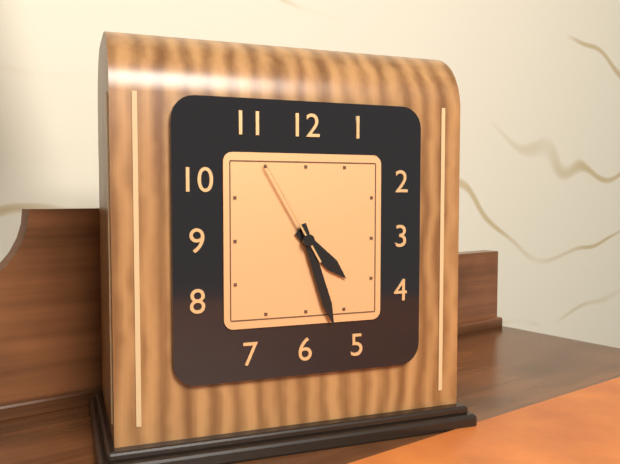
4.27.55
